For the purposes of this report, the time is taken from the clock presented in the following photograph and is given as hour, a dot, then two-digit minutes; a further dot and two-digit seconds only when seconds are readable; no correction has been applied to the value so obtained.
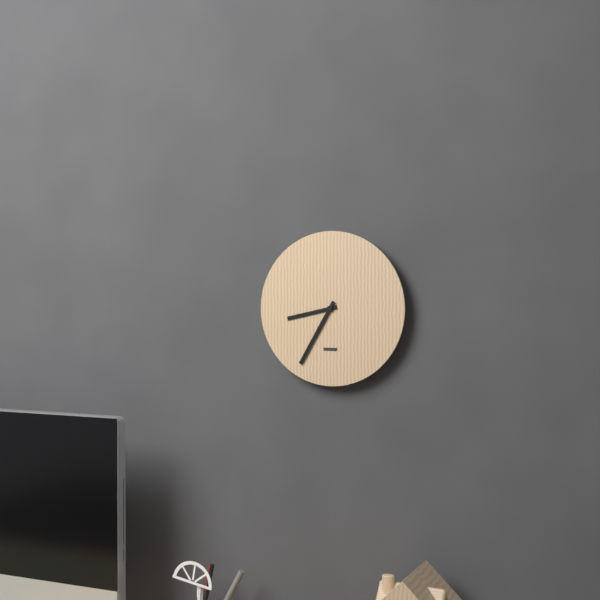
8.35
